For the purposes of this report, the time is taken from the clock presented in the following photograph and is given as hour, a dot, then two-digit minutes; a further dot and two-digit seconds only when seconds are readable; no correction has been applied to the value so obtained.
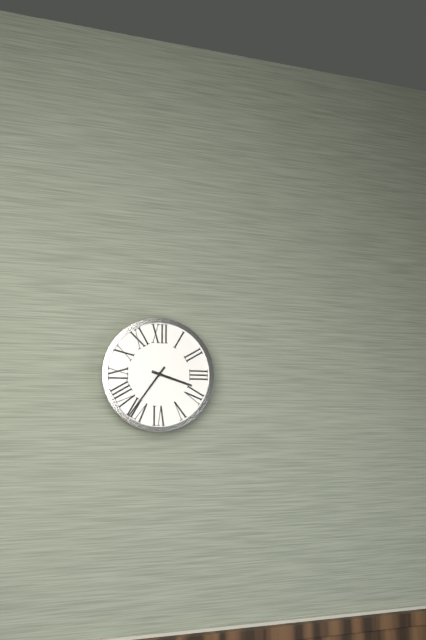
3.36
